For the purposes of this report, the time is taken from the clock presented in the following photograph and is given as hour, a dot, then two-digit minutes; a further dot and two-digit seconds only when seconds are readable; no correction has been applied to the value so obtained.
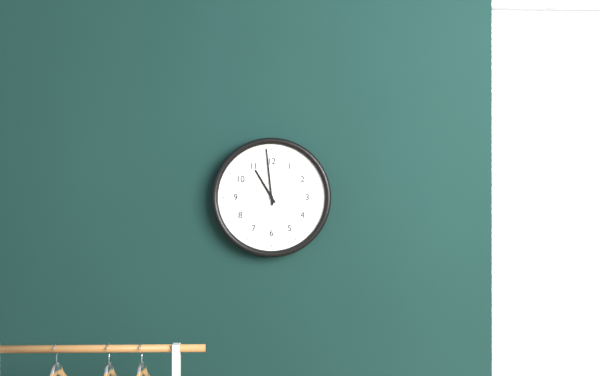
10.59
